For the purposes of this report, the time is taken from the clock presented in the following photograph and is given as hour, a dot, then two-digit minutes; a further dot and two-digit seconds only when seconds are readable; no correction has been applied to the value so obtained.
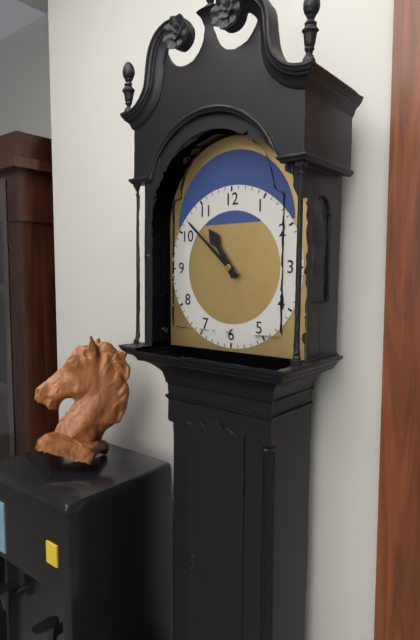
10.52
